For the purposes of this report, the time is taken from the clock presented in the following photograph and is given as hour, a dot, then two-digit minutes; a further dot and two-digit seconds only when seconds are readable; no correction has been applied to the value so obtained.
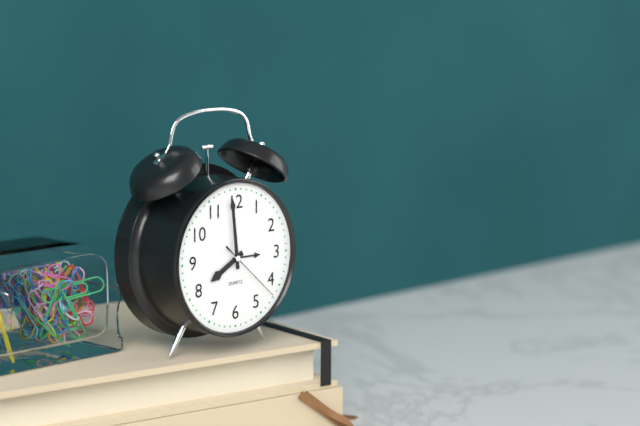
7.59.22
